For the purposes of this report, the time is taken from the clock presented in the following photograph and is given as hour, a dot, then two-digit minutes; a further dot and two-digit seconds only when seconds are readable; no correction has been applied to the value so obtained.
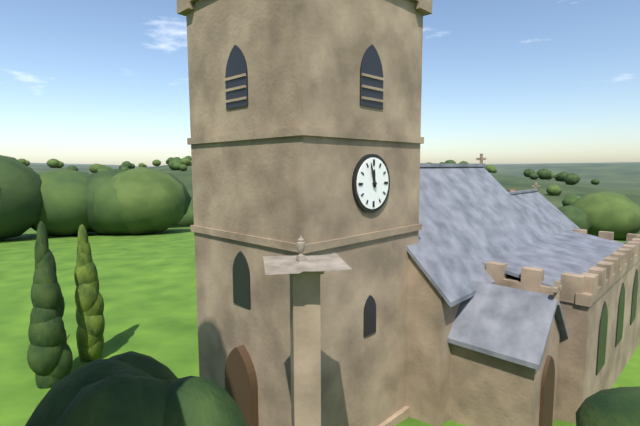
11.57
